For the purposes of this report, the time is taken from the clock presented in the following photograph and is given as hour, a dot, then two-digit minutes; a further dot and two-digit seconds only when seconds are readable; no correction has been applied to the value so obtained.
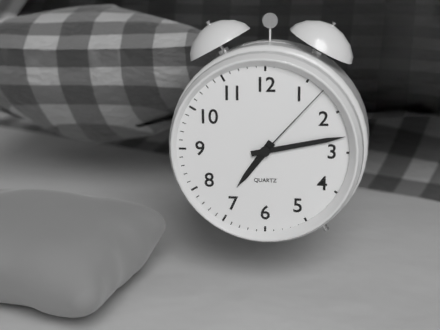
7.13.07
